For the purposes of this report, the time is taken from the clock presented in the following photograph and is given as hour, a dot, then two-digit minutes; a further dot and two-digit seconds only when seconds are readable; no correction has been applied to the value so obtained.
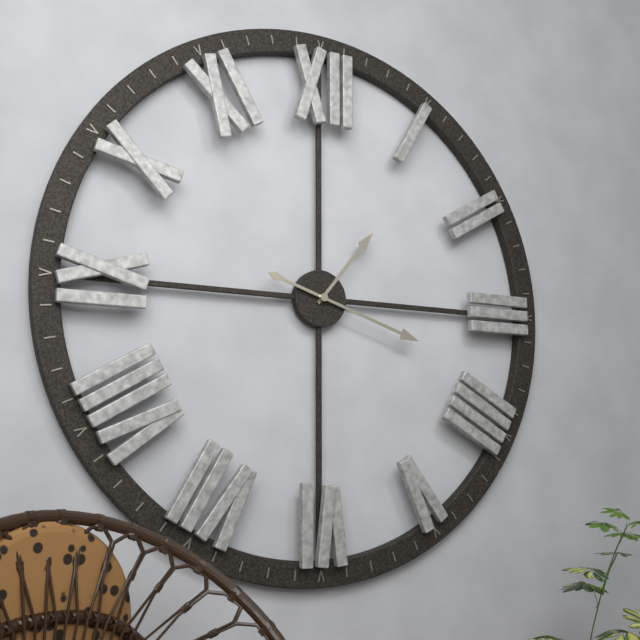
1.18
